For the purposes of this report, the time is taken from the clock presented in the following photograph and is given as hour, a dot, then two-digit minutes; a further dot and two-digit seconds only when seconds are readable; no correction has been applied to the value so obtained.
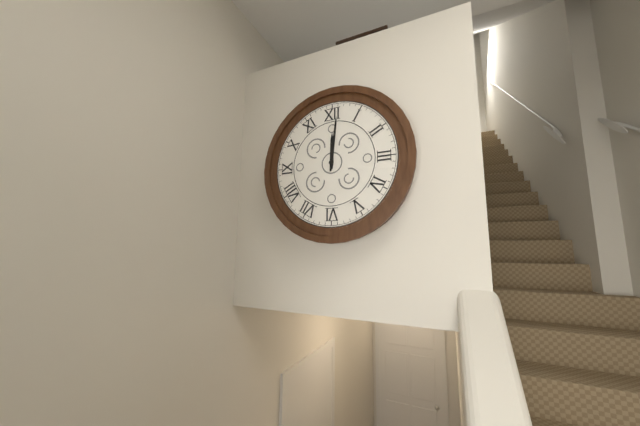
12.01
